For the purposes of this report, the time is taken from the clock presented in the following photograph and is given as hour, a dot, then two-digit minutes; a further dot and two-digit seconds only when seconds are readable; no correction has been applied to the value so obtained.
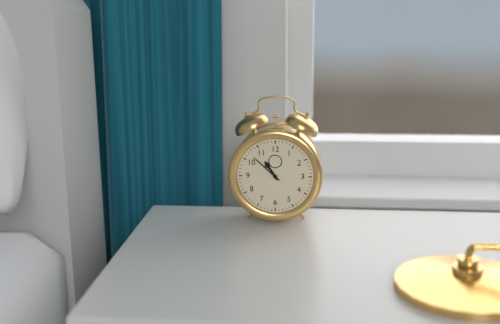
10.52
